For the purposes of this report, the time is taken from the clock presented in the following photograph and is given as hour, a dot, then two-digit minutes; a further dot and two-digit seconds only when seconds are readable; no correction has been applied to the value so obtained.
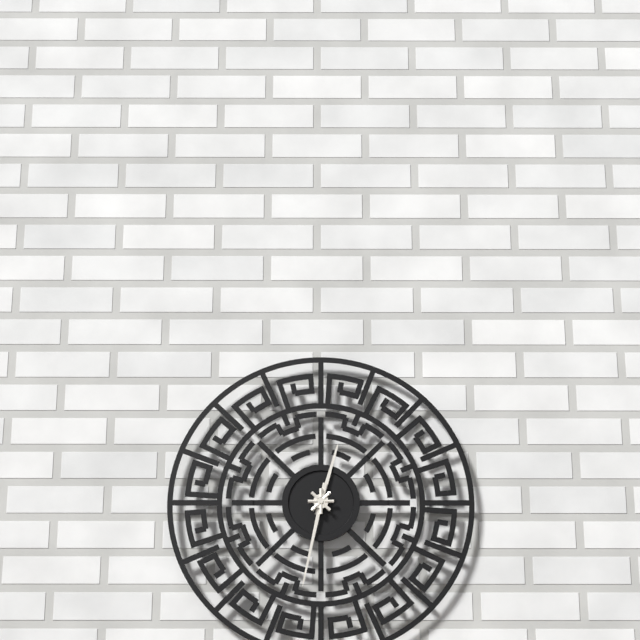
12.32
